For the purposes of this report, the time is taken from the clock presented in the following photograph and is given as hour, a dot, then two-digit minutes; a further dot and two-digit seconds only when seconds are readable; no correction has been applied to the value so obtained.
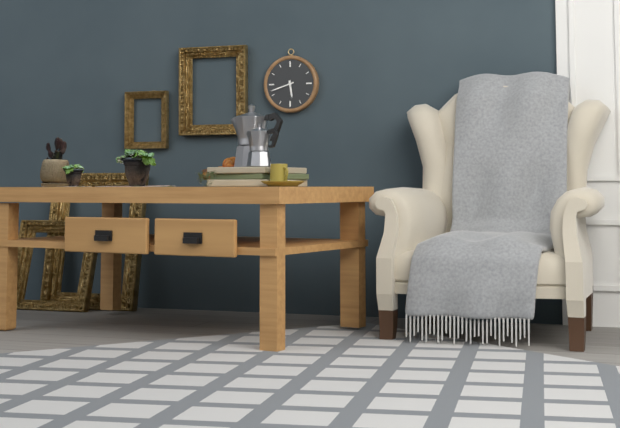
5.42
